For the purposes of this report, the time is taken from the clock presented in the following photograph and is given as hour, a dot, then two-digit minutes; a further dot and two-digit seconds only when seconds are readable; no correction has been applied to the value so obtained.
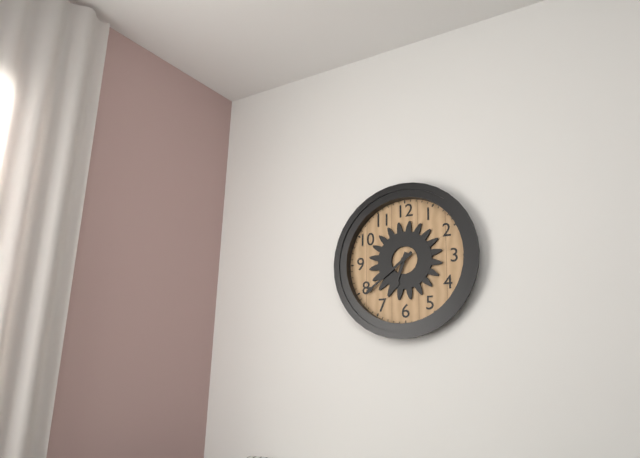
6.39
